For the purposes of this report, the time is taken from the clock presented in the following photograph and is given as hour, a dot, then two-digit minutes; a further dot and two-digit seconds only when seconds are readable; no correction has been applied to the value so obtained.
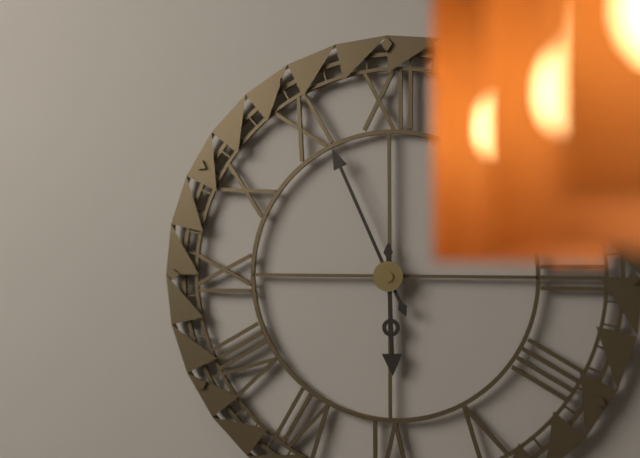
5.56
